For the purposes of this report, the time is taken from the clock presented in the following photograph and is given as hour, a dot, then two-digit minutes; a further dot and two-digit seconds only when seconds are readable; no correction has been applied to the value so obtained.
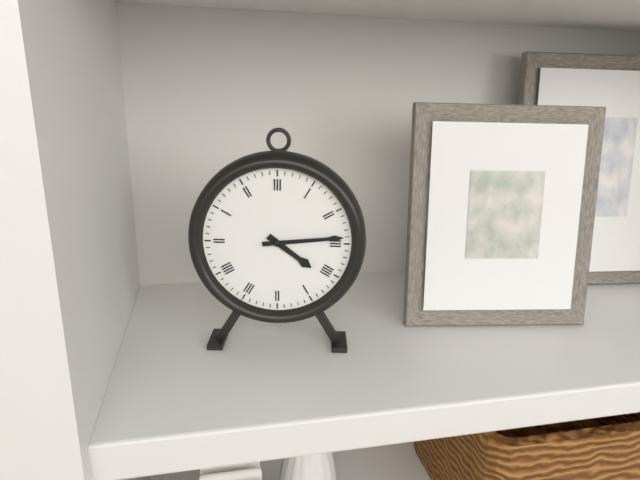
4.14
